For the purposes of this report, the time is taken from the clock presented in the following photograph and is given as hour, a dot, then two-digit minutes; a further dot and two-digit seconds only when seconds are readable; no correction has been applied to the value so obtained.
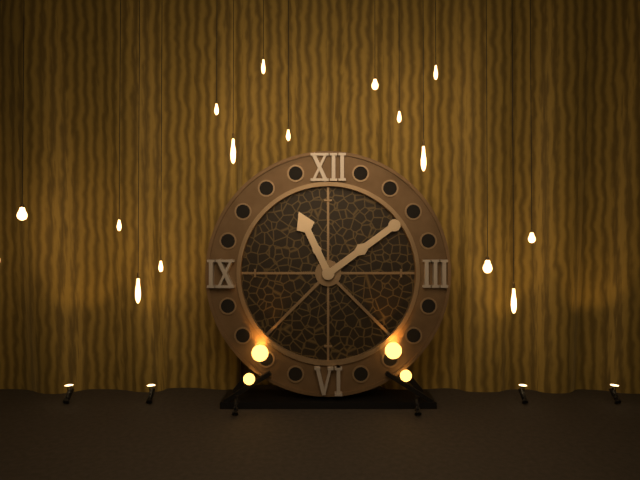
11.09
